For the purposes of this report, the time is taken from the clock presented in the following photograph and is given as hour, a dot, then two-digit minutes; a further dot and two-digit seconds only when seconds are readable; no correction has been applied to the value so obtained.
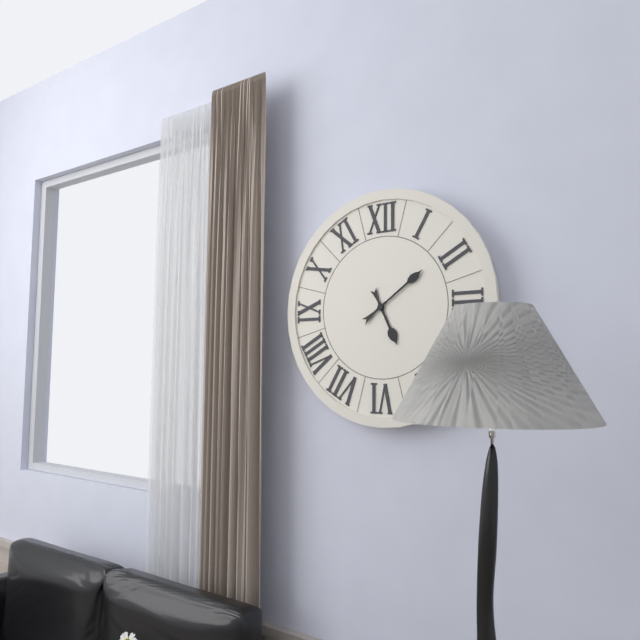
5.09
